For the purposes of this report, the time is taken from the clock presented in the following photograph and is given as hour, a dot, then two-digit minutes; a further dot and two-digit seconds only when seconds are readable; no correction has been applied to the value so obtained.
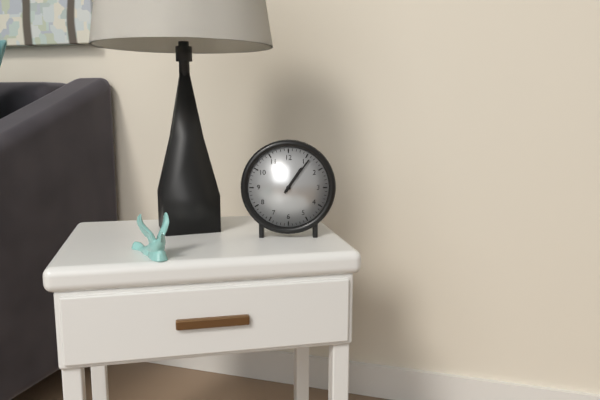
1.06
